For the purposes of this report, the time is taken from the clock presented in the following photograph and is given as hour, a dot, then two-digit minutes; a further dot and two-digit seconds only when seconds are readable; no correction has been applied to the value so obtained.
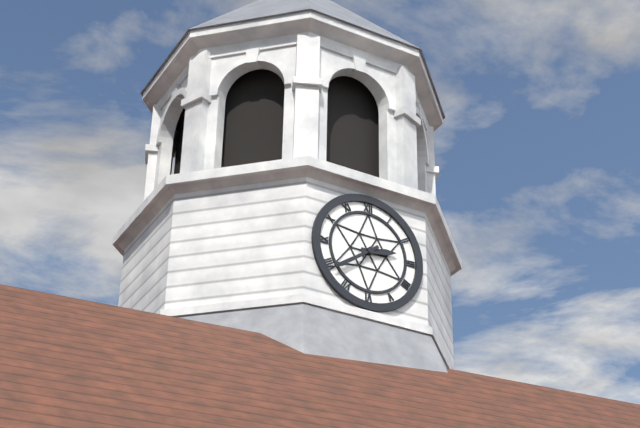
2.39
